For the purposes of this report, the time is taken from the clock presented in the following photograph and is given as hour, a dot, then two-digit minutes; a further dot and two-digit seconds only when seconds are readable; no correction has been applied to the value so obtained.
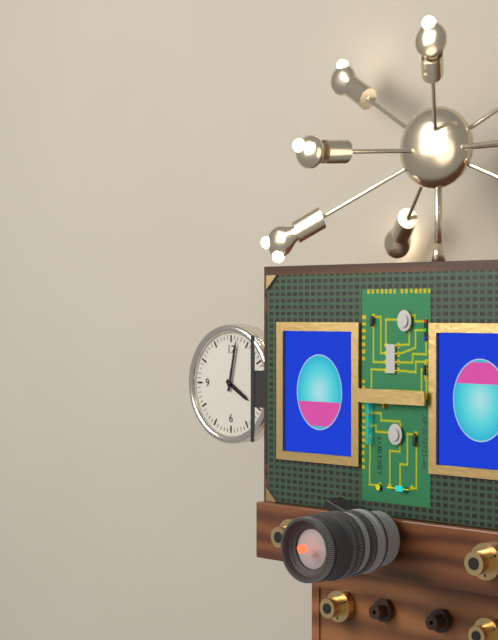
4.02
